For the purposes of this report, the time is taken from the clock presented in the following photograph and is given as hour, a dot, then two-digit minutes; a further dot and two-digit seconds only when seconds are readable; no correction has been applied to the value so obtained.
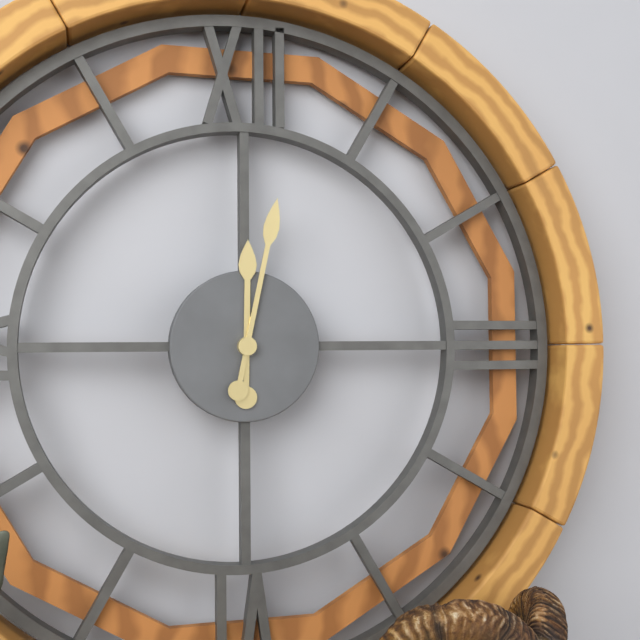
12.02
